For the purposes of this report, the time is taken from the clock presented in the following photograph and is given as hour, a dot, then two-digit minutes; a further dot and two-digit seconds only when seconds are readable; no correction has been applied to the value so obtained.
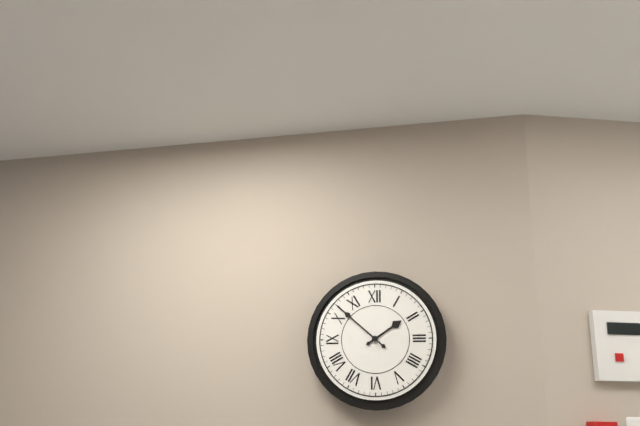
1.52
